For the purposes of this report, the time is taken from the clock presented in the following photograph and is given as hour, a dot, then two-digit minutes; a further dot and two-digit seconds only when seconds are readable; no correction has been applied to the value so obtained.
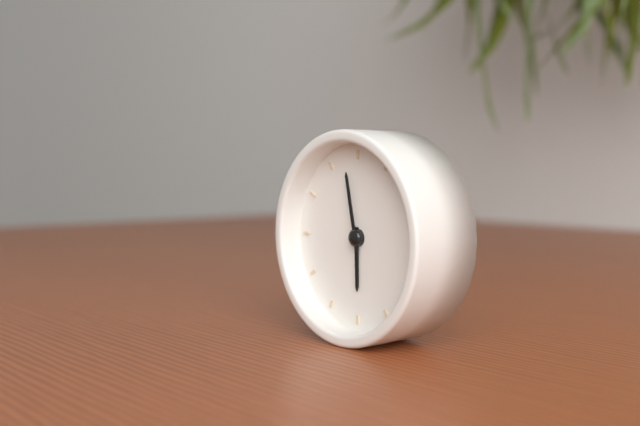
5.58
